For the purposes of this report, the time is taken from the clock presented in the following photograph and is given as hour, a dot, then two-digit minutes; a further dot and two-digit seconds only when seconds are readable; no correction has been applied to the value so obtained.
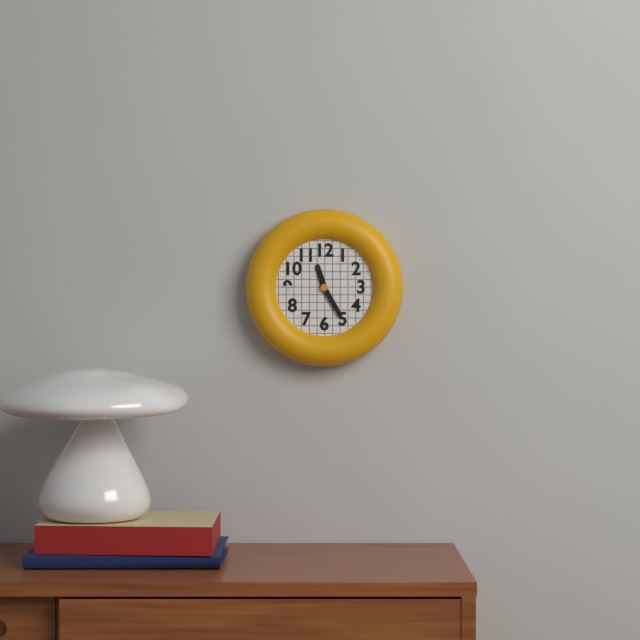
11.25
